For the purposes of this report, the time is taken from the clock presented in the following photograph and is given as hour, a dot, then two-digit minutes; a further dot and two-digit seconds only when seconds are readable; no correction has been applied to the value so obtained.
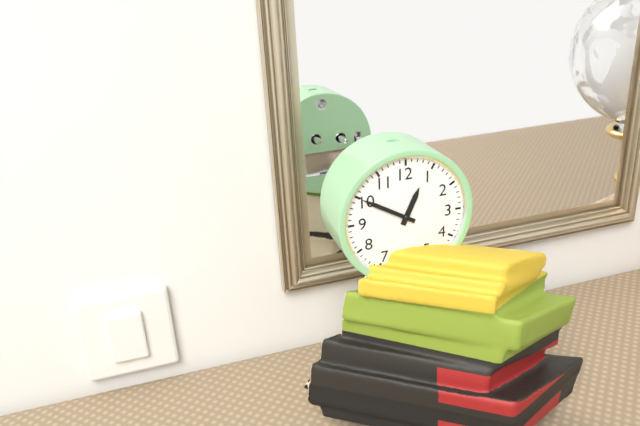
12.50
